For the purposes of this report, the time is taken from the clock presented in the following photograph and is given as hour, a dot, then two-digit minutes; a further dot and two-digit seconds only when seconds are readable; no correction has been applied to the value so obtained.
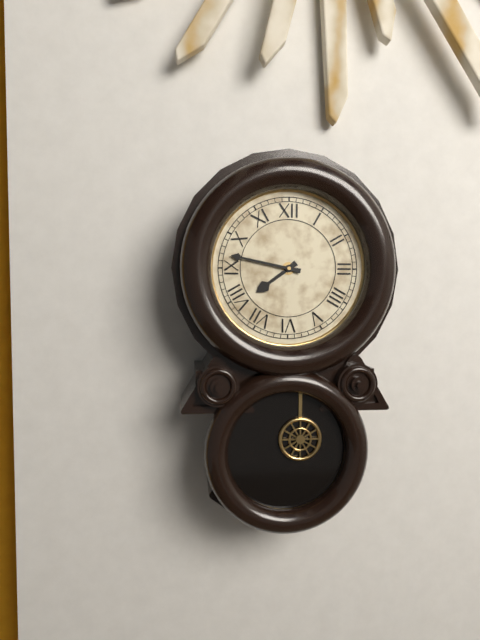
7.47
